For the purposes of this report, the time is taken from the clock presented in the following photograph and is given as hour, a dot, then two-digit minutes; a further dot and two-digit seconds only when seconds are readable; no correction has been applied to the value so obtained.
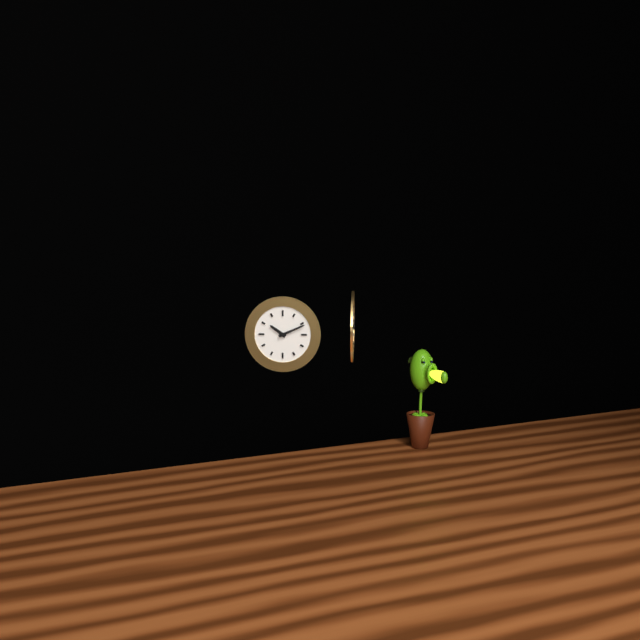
10.11
